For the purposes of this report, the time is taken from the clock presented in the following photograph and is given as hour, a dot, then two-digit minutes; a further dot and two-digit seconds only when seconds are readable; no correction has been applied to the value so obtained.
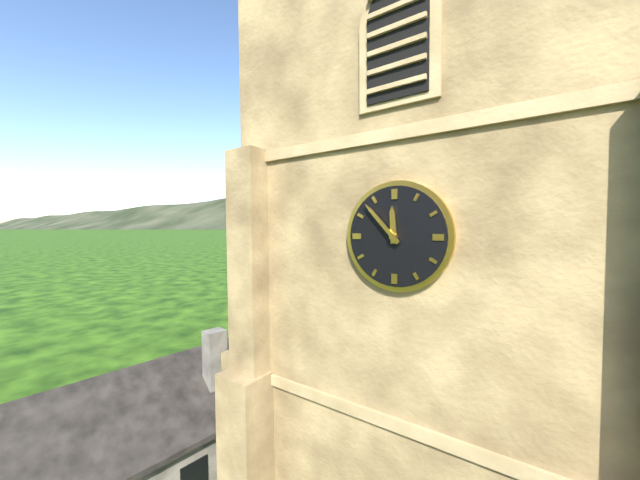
11.53
